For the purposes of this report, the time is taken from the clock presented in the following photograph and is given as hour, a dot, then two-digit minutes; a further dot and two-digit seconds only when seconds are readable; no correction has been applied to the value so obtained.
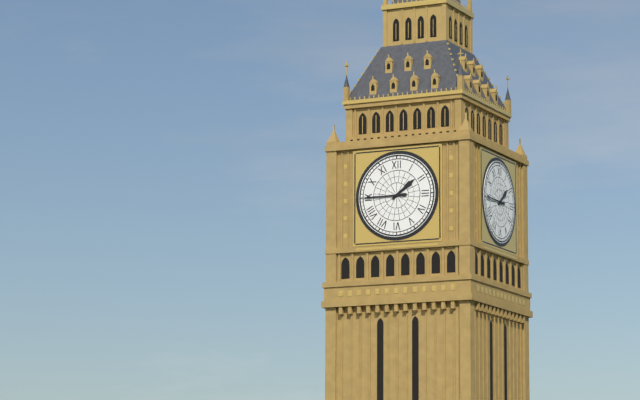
1.45
